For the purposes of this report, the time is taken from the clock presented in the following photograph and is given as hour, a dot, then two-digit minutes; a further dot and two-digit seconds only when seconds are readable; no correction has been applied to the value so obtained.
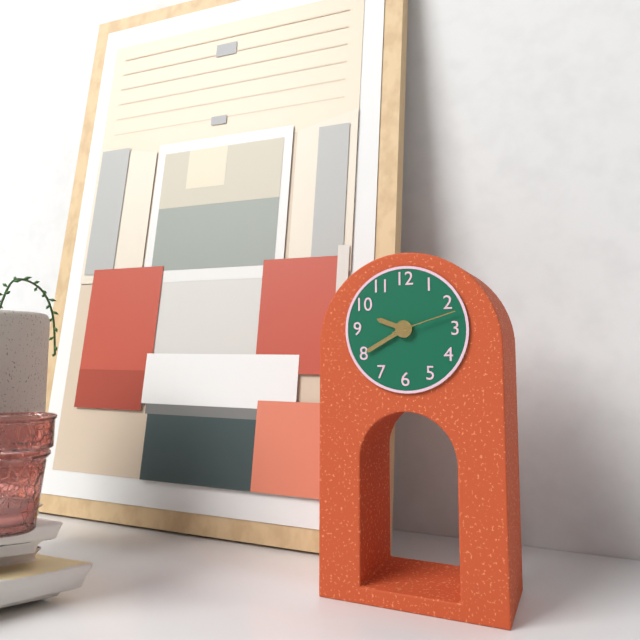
9.40.12
